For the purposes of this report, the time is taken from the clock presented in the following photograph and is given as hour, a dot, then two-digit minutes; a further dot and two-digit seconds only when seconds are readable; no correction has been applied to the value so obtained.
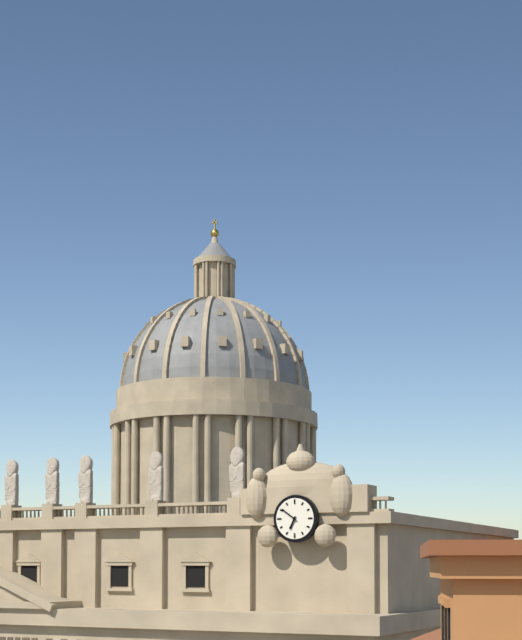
6.51
